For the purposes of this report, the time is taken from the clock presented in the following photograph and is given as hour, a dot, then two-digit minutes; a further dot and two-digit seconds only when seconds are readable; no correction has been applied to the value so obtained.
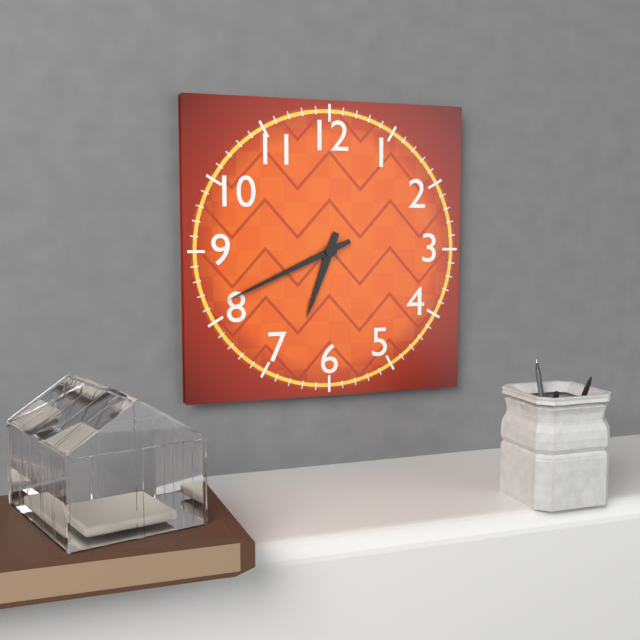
6.41
